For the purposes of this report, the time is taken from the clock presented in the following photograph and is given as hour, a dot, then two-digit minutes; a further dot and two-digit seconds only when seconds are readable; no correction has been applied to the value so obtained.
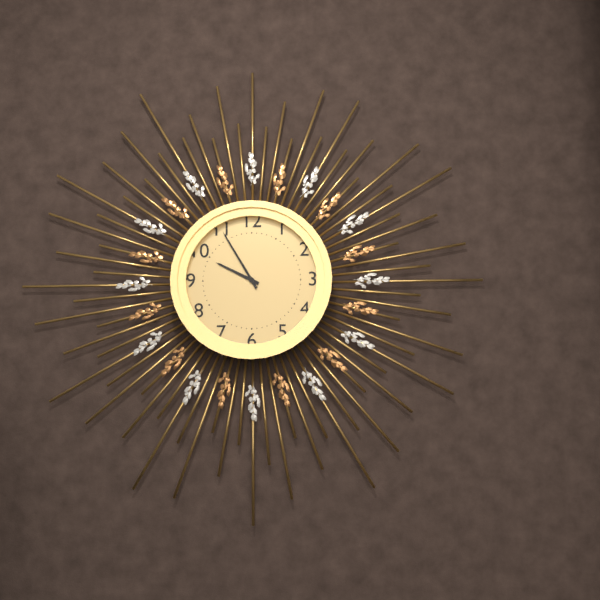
9.55
